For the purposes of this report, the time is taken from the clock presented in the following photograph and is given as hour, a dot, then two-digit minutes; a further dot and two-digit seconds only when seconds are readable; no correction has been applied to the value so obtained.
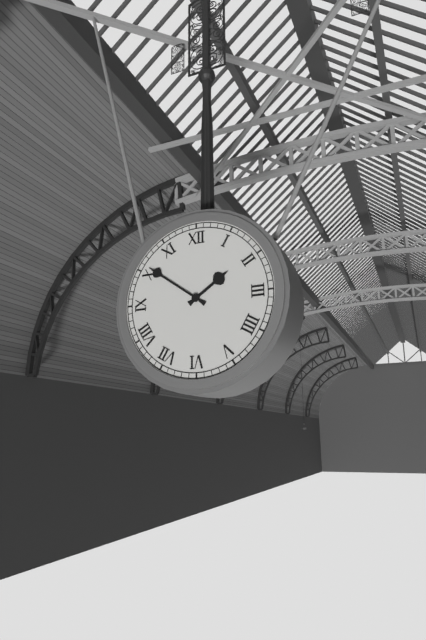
1.51
